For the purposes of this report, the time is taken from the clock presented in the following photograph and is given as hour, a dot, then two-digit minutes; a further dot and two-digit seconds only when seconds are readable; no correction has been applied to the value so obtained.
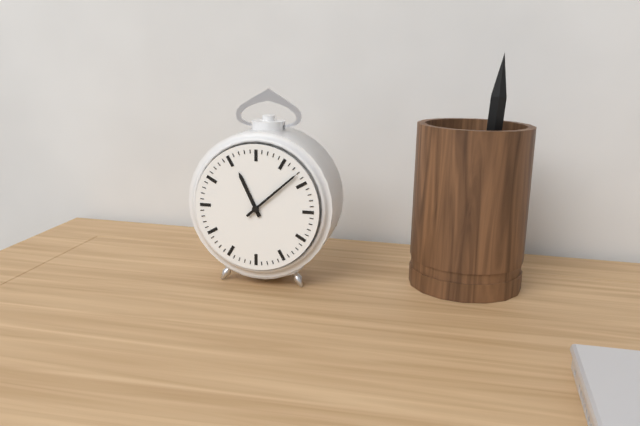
11.08
